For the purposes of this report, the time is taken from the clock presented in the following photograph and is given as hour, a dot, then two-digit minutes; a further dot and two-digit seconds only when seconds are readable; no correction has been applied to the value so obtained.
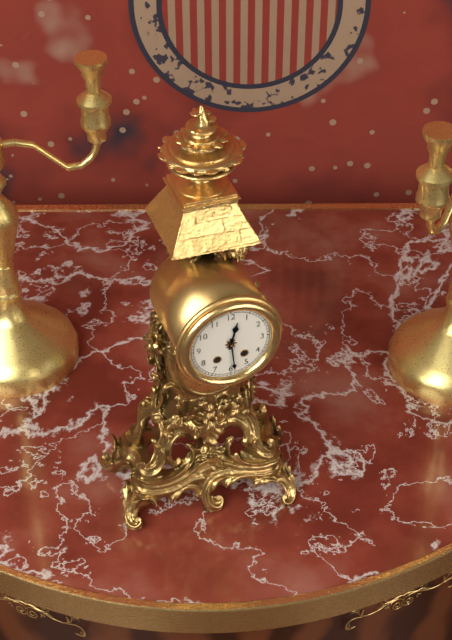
12.29
